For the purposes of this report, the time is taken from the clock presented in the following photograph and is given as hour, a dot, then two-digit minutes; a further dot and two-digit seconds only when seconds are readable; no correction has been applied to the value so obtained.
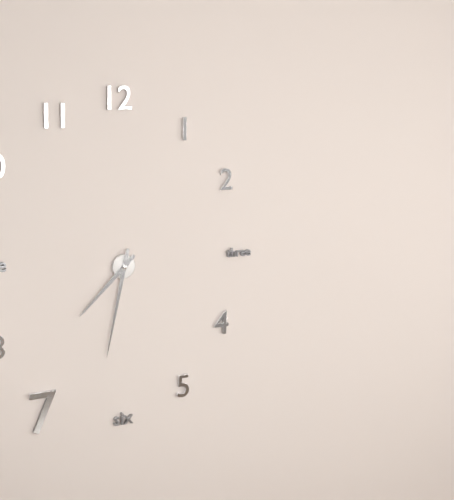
7.32
